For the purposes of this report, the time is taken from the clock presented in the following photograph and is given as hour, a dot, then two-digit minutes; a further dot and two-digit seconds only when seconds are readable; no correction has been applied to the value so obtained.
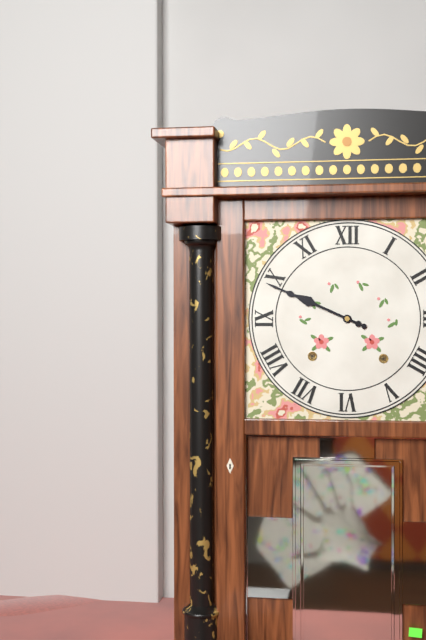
9.49
